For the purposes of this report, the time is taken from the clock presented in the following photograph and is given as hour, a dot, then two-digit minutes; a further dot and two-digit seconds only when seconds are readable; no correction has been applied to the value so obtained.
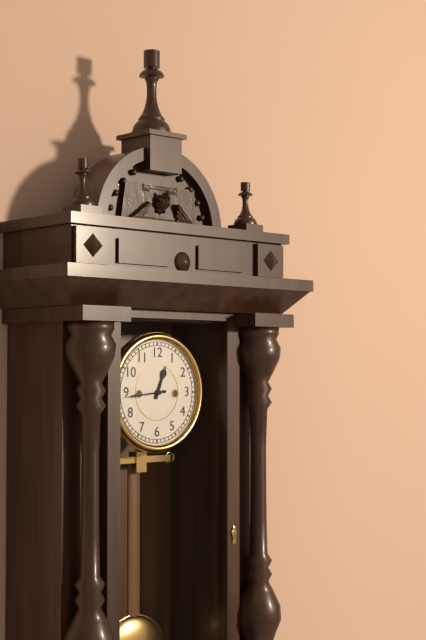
12.44
